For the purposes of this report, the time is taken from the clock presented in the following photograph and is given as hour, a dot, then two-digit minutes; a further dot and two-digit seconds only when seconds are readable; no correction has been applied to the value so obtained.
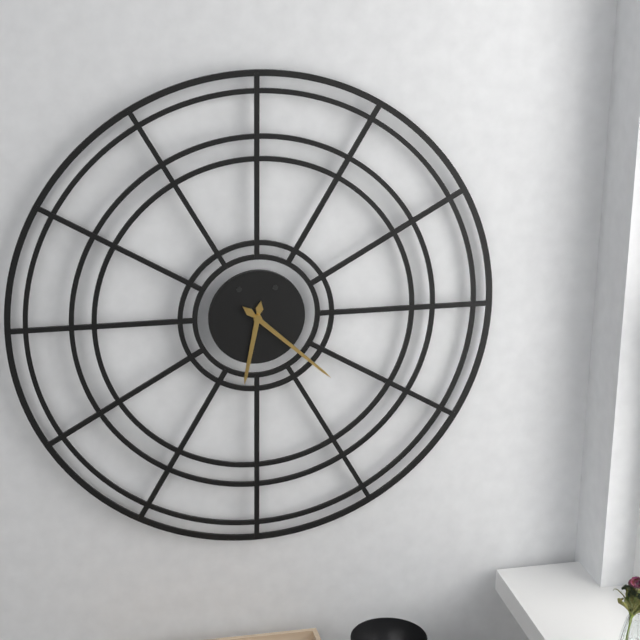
6.22
